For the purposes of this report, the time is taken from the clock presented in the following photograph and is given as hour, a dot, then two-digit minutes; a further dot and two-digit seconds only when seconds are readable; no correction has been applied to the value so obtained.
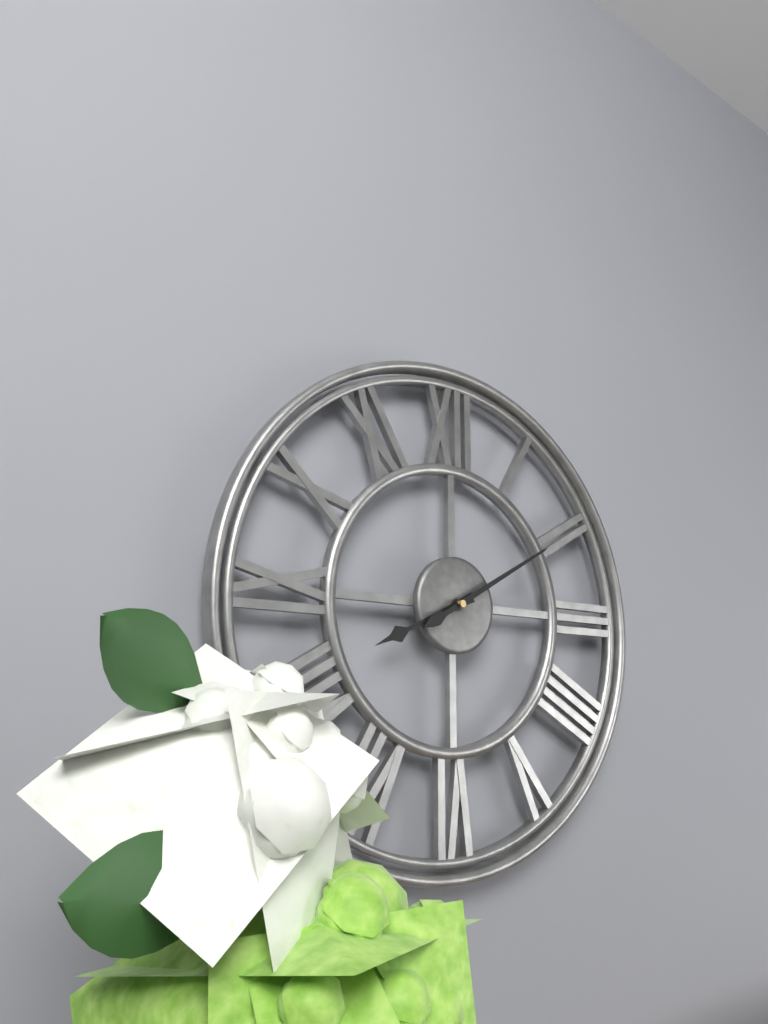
8.10
